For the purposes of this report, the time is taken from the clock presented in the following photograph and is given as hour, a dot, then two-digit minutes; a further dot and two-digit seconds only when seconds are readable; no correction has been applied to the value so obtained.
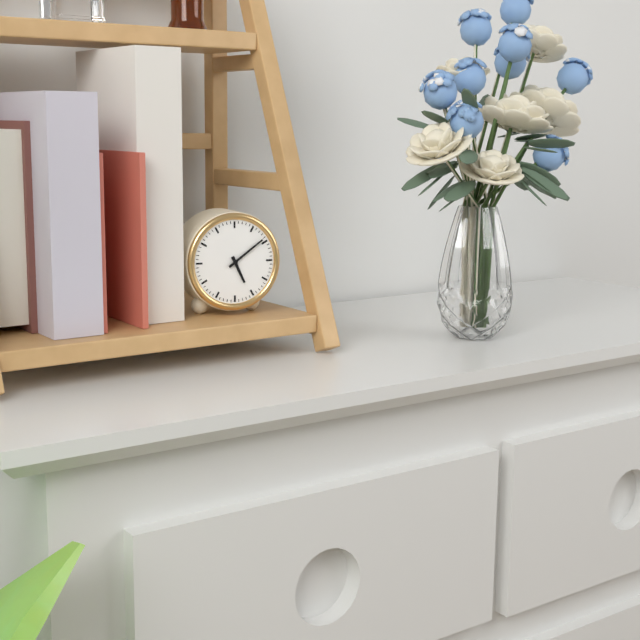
5.09
